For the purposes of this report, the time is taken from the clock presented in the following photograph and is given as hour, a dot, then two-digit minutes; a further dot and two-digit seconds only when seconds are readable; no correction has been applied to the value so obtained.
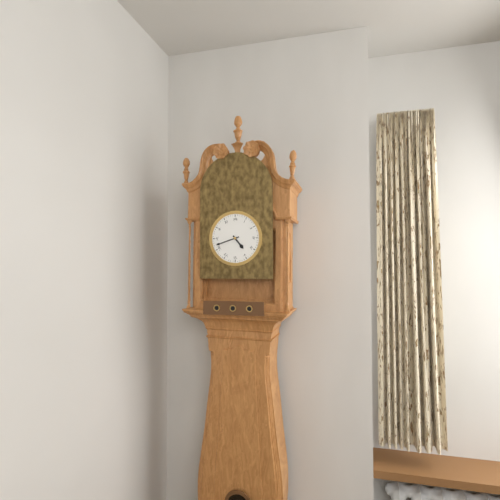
4.42
